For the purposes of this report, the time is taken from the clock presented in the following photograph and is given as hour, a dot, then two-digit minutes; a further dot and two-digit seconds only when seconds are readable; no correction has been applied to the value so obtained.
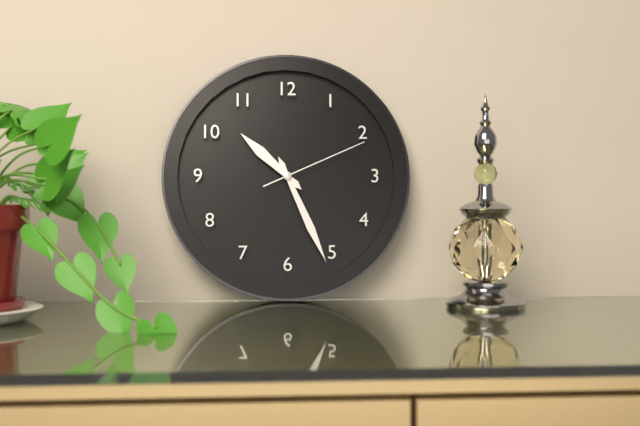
10.26.11
